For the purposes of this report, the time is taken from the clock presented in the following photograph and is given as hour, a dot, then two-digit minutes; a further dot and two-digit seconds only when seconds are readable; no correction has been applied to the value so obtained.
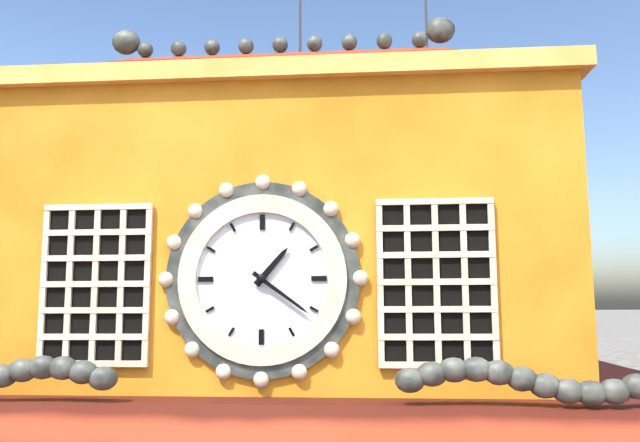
1.21
